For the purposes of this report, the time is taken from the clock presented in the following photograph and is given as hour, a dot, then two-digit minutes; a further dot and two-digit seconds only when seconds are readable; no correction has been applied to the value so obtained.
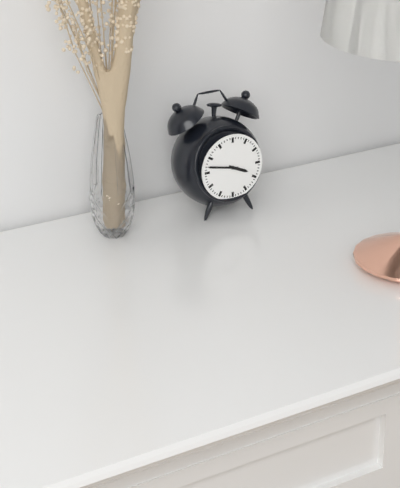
3.47
